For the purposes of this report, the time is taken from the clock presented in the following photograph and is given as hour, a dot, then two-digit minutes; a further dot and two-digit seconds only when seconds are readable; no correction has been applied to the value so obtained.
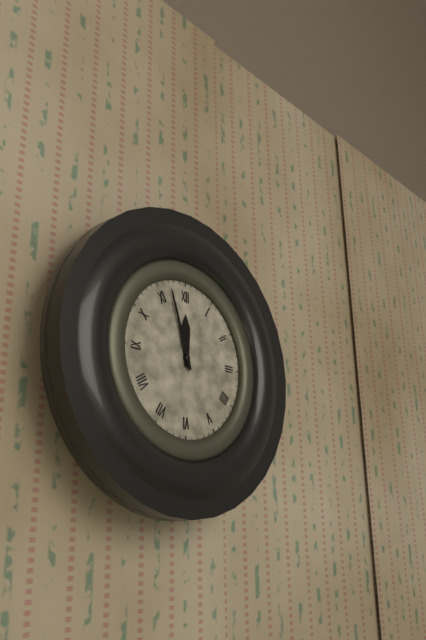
11.57
